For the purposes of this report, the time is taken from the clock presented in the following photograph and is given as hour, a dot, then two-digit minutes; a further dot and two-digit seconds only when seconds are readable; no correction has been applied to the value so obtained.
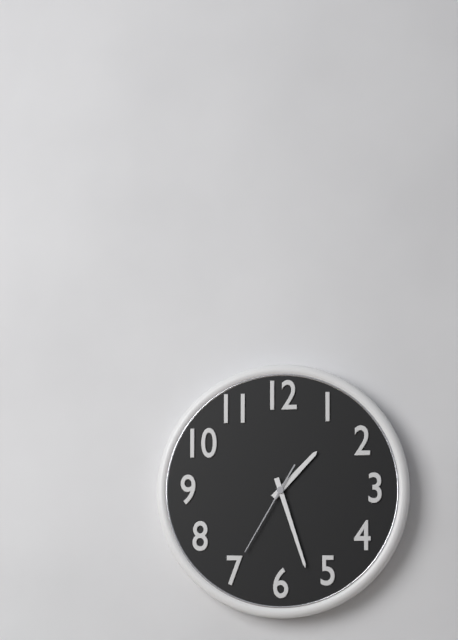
1.27.35
